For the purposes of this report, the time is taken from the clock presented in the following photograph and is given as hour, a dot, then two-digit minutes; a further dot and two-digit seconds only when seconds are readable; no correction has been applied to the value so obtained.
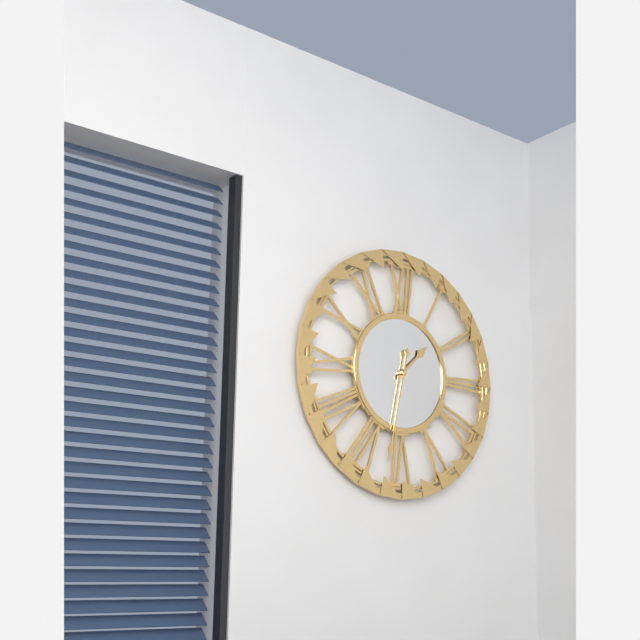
1.32
